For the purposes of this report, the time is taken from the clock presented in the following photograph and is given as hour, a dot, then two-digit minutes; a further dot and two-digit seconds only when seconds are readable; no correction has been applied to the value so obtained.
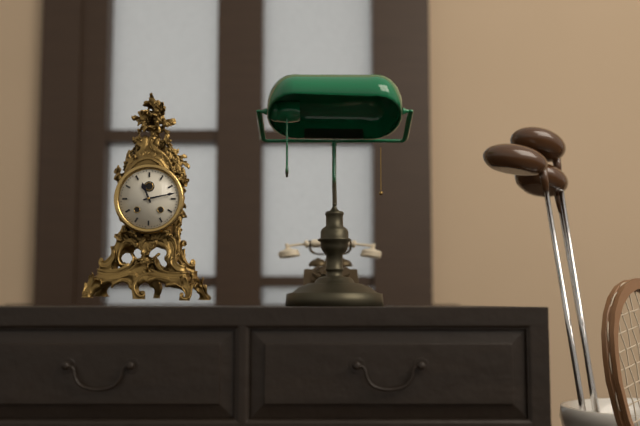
11.13
